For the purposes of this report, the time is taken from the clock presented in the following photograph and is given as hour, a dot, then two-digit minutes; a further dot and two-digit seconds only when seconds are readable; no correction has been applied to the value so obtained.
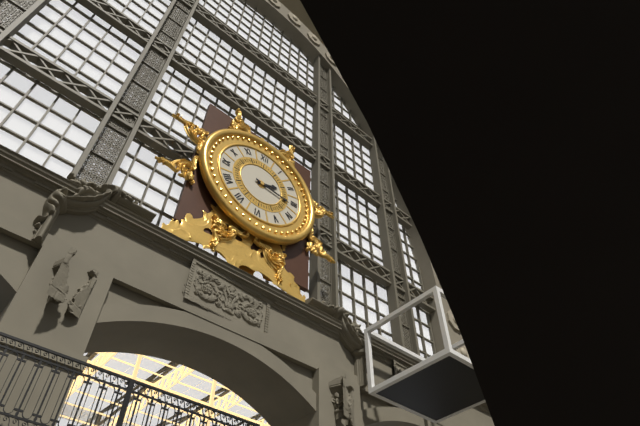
2.16
